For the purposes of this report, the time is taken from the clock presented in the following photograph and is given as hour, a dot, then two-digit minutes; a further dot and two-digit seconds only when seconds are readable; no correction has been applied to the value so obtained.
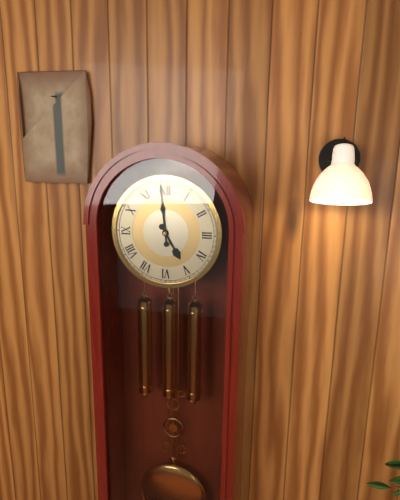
4.59
